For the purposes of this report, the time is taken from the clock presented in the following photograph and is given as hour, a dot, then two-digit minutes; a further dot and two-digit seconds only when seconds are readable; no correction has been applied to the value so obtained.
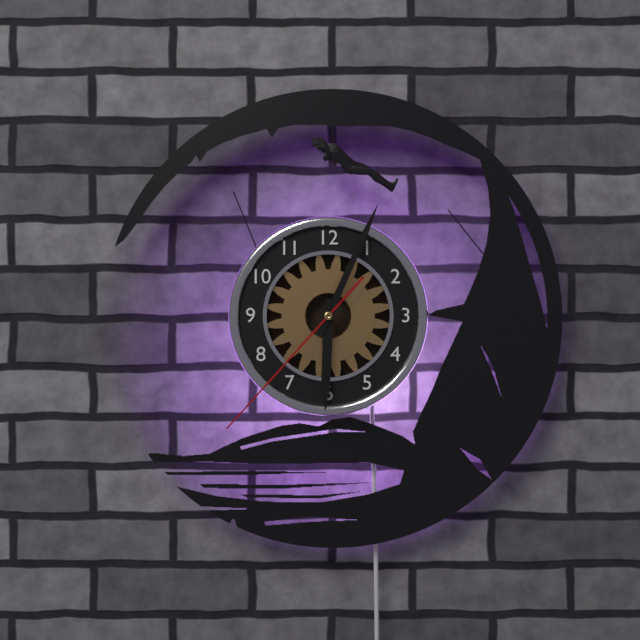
6.04.37
